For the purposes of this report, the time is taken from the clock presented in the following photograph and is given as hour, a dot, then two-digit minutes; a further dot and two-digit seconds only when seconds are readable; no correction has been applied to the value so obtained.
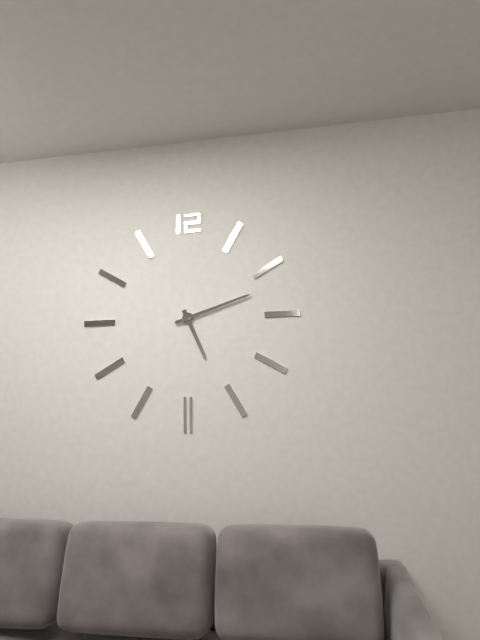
5.12
